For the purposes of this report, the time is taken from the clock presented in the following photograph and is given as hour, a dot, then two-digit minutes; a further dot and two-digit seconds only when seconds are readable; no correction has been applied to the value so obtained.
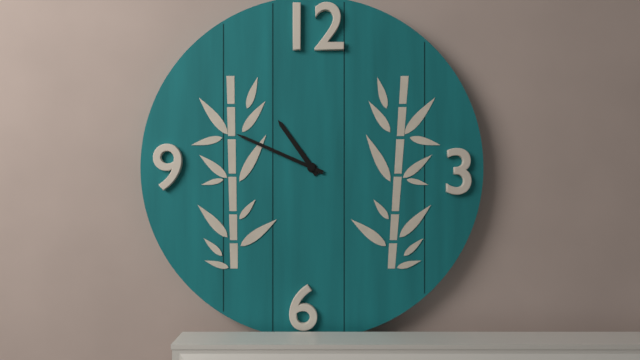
10.49
